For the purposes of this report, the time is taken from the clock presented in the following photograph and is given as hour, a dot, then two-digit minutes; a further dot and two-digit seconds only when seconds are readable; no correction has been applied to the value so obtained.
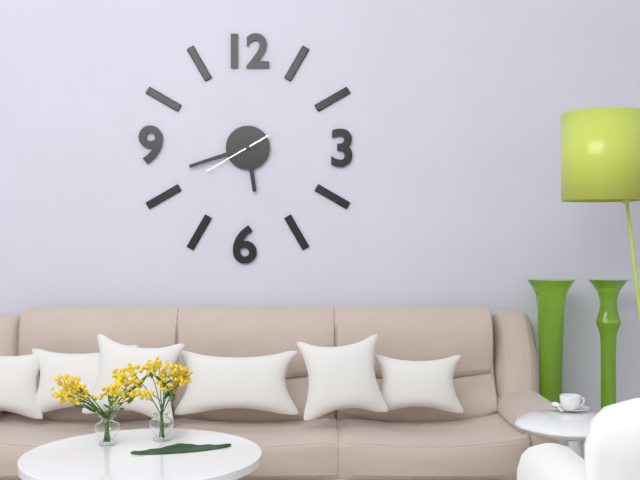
5.42.40
